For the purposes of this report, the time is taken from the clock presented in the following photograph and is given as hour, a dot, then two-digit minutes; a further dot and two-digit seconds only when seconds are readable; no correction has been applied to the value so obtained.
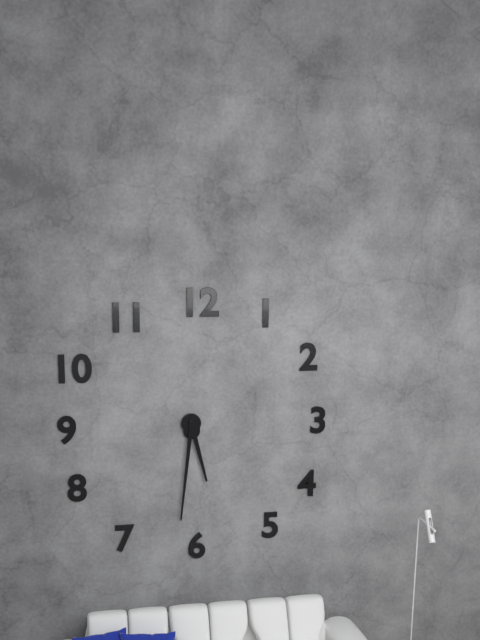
5.31
